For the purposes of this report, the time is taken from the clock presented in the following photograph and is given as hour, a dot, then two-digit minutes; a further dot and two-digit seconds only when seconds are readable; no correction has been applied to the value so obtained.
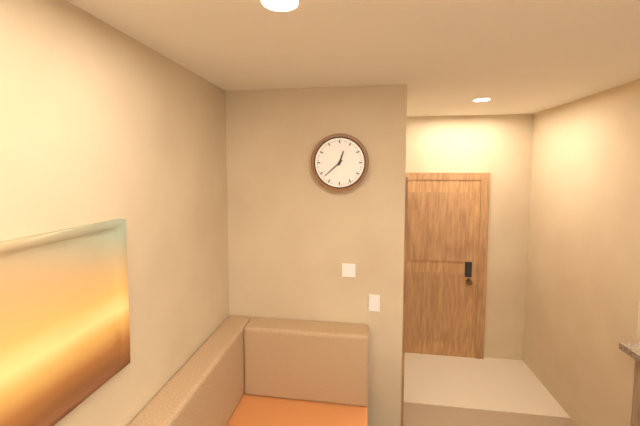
12.38
